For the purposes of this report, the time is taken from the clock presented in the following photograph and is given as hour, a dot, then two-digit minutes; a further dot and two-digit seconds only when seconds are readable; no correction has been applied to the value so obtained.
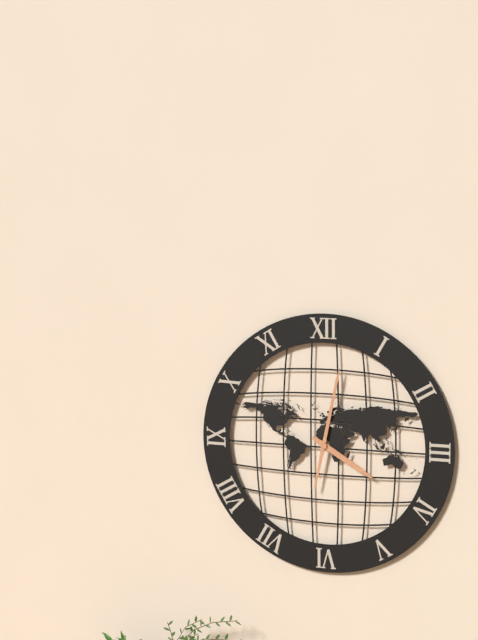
4.02
